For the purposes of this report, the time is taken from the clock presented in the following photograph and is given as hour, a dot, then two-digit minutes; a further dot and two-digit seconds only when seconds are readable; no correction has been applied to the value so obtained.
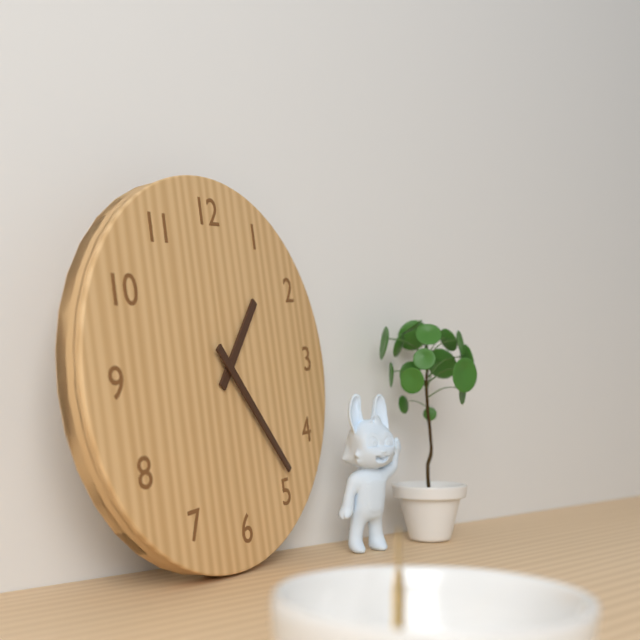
1.24
